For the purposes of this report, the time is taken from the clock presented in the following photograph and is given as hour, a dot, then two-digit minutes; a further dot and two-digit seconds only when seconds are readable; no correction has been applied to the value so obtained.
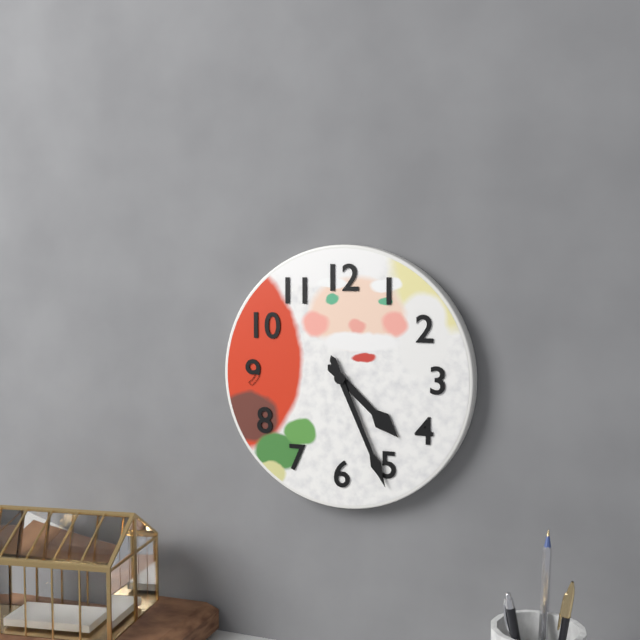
4.26
